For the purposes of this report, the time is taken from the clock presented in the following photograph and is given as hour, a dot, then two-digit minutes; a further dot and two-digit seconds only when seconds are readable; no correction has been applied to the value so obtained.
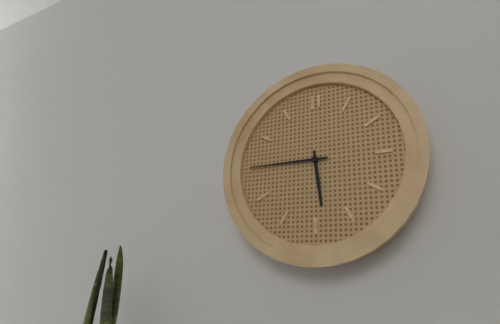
5.45
